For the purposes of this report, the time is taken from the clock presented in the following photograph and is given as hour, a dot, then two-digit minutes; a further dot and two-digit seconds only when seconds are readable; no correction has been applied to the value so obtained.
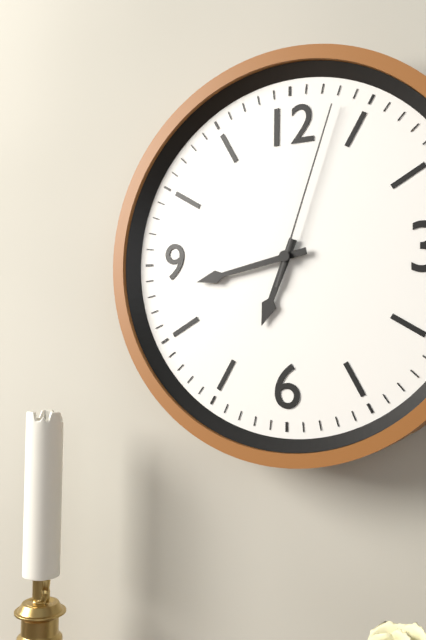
6.43.03
